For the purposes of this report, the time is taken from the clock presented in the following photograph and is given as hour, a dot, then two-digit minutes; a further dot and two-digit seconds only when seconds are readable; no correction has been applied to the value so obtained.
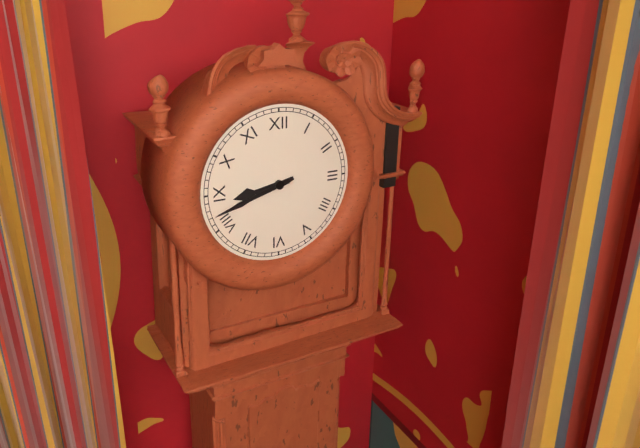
8.42
